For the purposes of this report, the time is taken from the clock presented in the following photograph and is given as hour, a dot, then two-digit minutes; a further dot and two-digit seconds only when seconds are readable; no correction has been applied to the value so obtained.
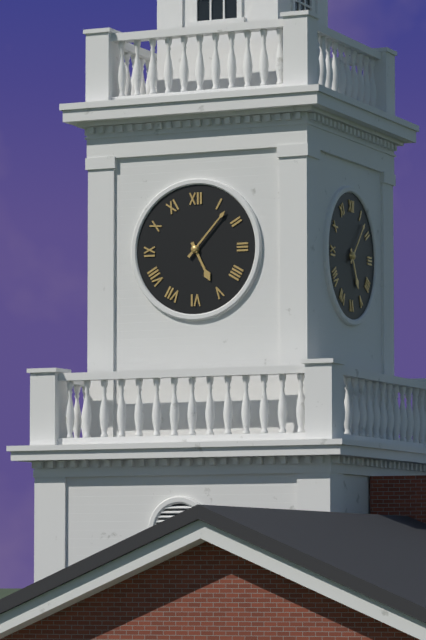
5.07
